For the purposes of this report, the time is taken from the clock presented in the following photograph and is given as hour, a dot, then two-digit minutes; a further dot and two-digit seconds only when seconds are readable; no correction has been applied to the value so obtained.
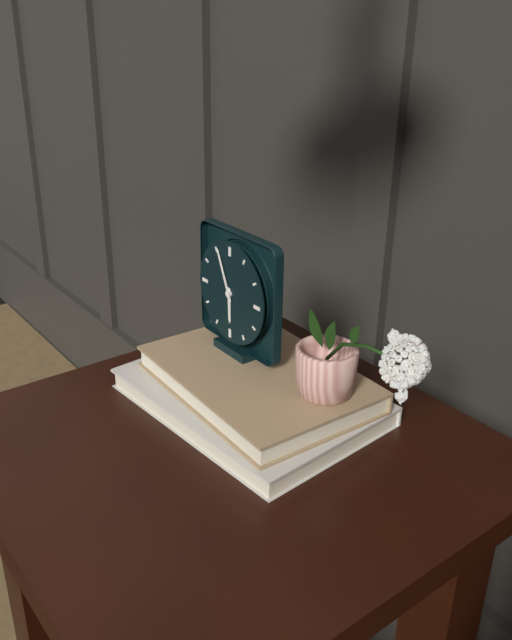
5.56
